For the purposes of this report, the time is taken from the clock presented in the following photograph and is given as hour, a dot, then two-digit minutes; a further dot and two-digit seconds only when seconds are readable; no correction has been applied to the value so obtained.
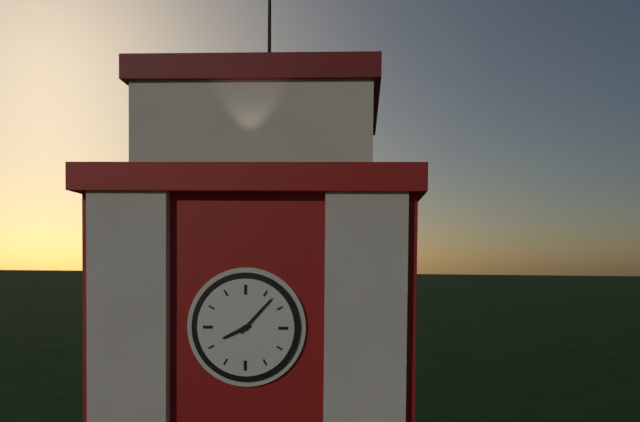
8.07
